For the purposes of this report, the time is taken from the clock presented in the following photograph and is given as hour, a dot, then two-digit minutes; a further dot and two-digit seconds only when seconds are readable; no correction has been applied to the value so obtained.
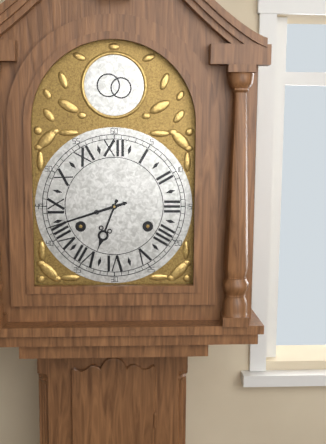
6.42
